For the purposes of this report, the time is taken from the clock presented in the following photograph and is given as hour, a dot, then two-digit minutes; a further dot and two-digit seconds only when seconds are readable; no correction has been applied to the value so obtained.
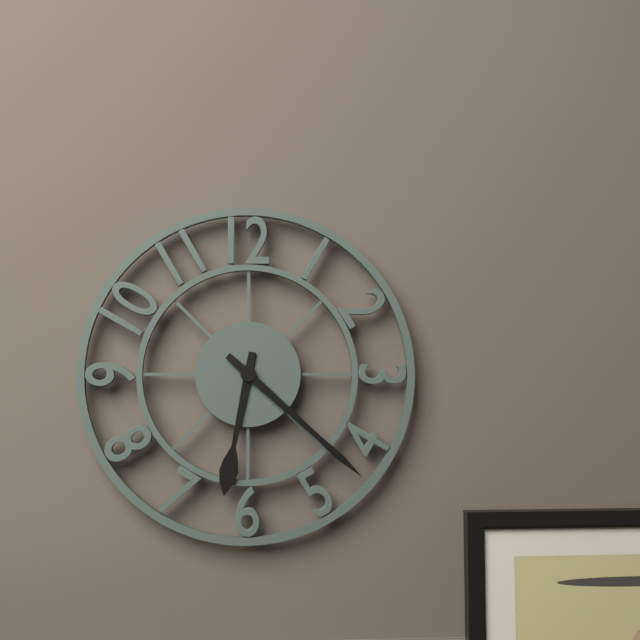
6.22
